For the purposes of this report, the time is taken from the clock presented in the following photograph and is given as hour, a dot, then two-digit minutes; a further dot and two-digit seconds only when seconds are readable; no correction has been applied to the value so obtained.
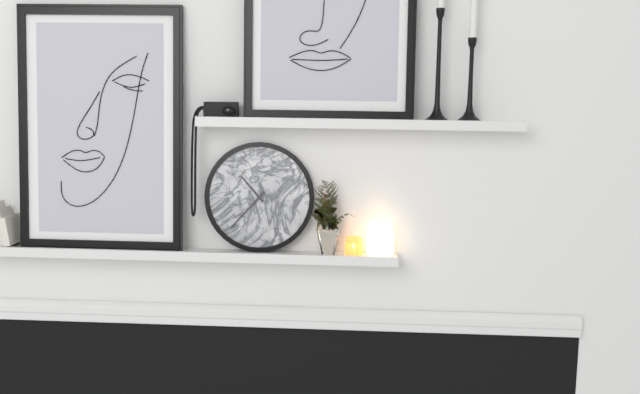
10.37
